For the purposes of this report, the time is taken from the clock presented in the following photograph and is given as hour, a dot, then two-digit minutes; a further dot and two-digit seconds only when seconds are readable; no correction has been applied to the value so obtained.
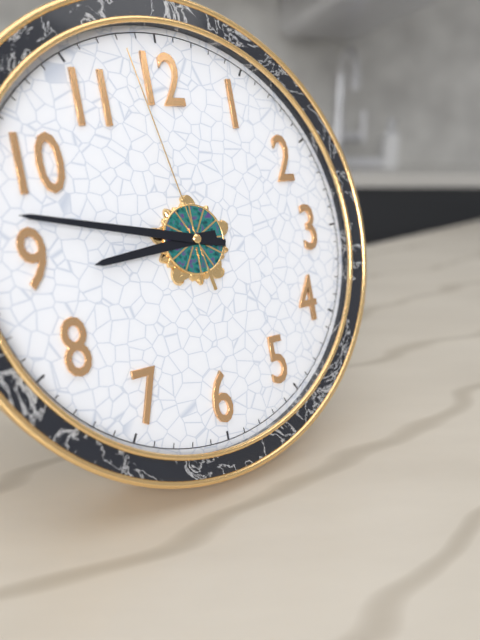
8.47.58
